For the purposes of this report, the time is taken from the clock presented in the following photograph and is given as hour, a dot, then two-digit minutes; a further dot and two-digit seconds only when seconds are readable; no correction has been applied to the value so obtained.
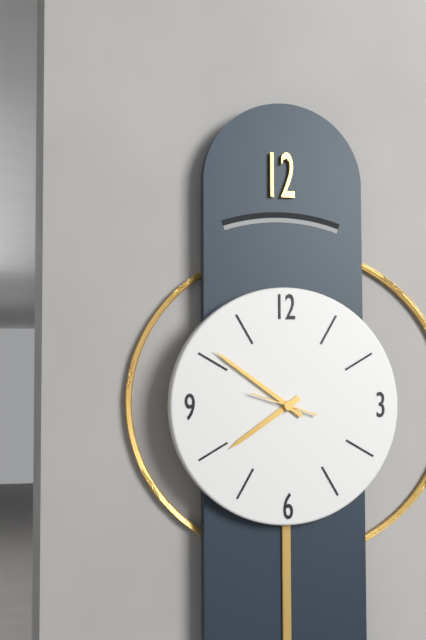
7.51.48
